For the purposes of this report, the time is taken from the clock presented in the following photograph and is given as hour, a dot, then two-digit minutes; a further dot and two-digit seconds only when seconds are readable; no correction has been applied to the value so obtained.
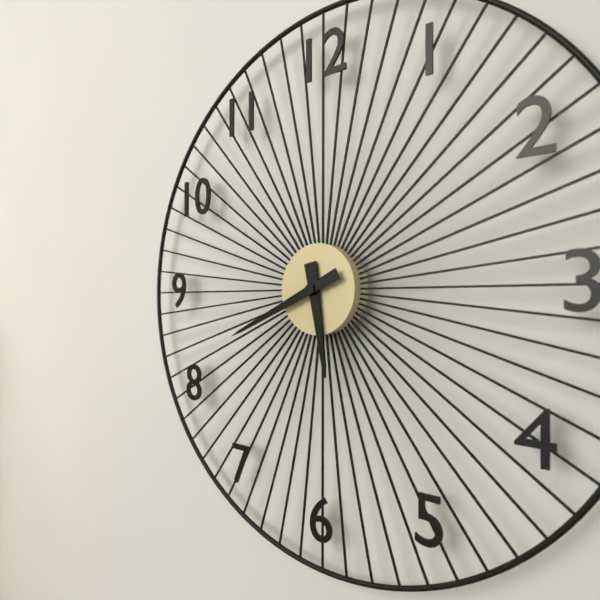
5.41
